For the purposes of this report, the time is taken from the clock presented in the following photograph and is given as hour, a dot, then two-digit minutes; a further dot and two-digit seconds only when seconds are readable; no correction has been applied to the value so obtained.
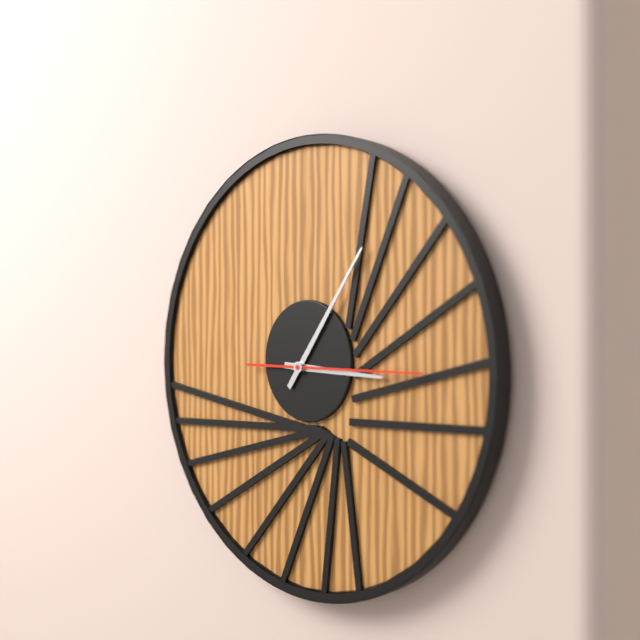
3.06.15
